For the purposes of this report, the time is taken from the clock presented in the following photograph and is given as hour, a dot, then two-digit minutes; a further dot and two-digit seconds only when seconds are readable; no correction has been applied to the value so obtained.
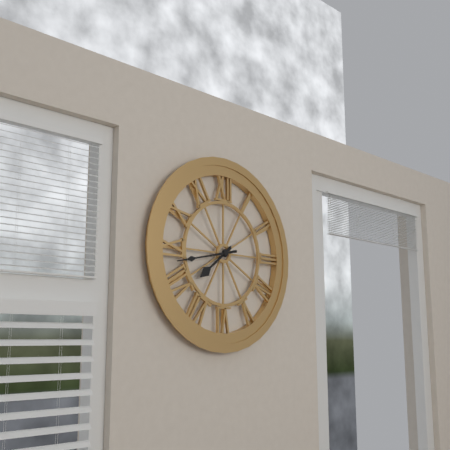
7.43
